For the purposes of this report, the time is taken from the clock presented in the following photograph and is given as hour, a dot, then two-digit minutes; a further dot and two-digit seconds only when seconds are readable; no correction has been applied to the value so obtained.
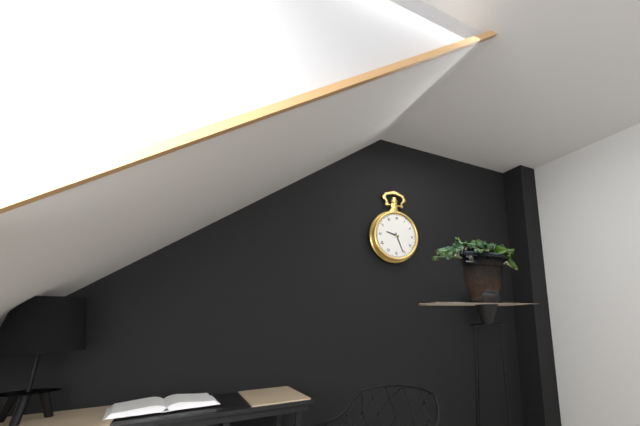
9.26
